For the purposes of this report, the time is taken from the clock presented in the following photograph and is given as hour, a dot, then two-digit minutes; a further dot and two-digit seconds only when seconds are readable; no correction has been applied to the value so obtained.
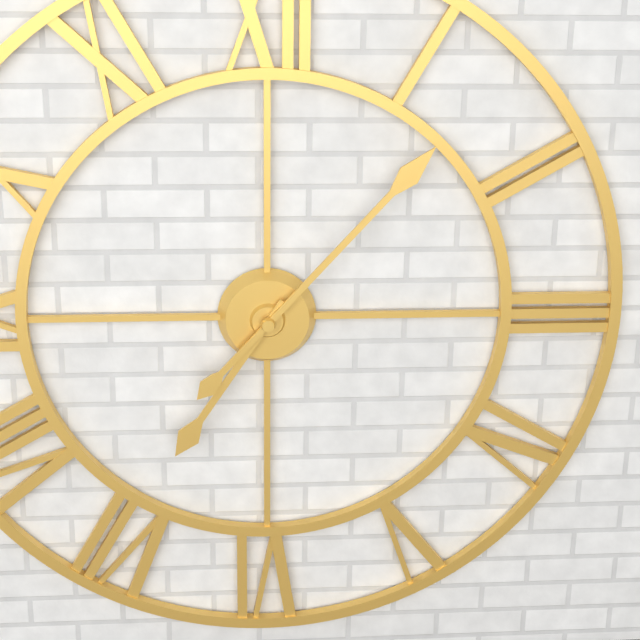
7.07
